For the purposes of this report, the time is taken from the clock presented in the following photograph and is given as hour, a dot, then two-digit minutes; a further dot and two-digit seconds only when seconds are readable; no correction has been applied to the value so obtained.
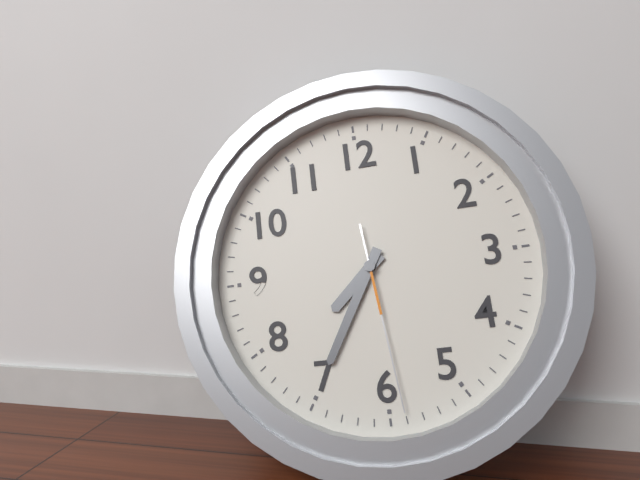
7.35.29
